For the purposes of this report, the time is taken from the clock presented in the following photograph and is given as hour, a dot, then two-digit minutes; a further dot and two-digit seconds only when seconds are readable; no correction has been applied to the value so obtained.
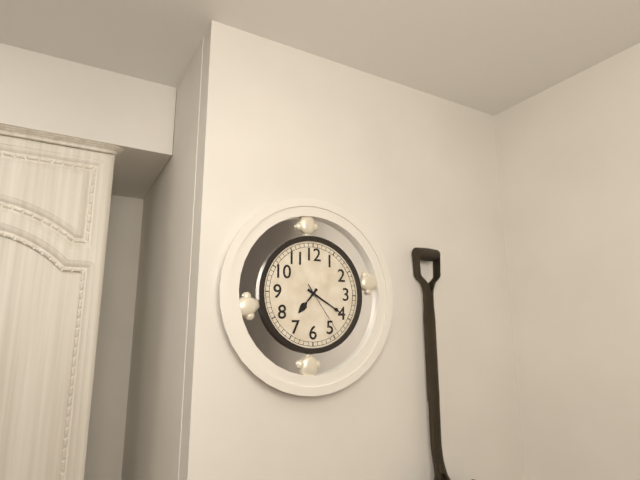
7.20.24
